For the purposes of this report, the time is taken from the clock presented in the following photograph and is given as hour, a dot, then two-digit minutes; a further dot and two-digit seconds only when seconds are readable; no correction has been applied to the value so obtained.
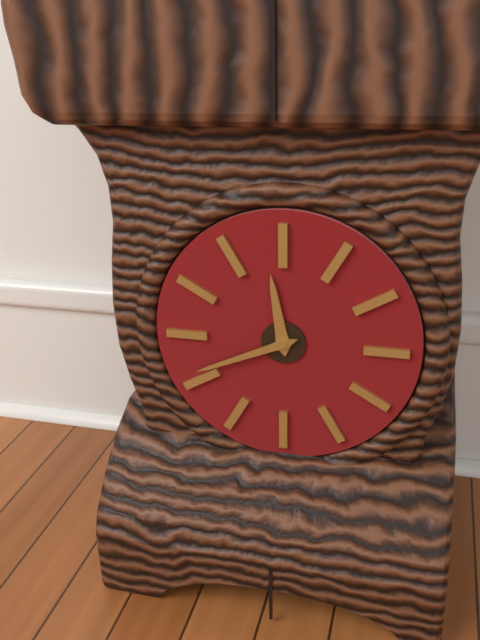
11.41
